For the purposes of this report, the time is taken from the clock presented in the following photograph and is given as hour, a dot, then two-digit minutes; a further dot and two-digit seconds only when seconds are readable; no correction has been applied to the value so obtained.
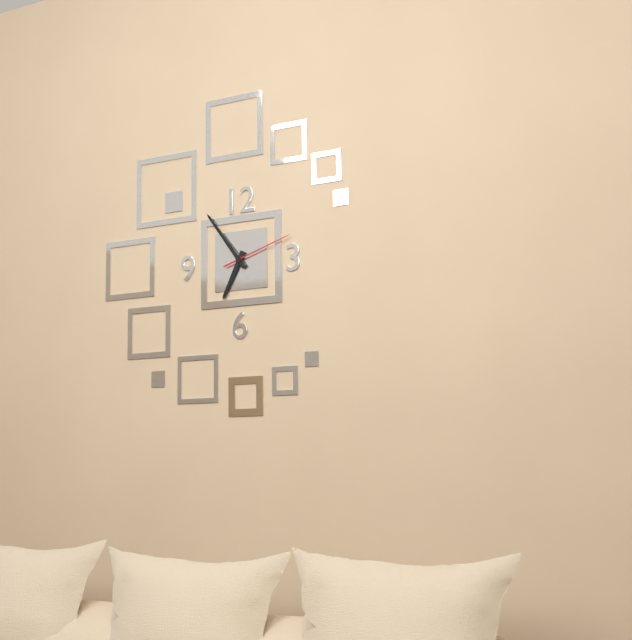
6.54.12
